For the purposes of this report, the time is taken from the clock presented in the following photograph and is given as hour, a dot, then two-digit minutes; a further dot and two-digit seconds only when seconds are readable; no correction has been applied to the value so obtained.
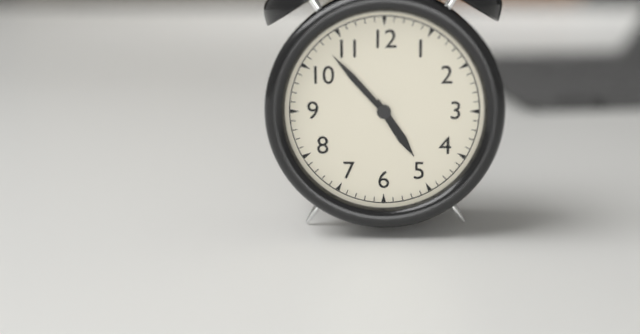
4.53
